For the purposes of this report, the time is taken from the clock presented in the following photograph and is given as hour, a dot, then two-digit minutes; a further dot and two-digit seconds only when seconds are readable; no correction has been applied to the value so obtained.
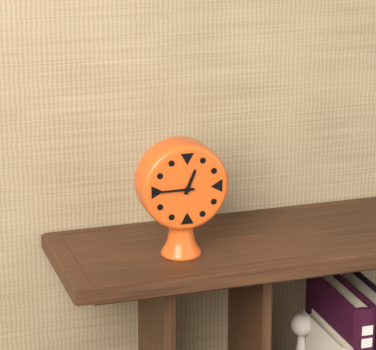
12.45
